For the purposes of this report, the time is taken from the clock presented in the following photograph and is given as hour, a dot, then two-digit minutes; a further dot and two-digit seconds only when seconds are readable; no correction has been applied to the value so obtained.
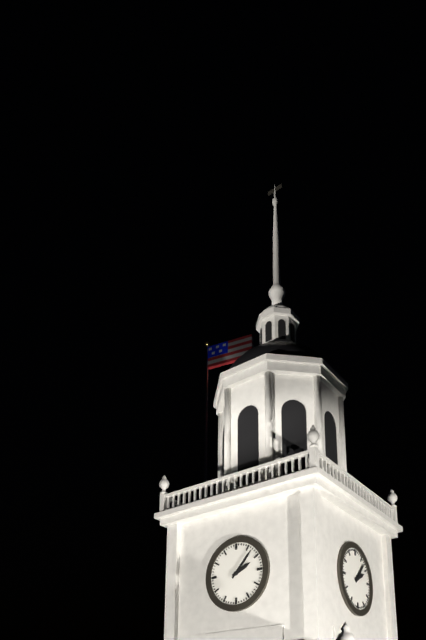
2.07
